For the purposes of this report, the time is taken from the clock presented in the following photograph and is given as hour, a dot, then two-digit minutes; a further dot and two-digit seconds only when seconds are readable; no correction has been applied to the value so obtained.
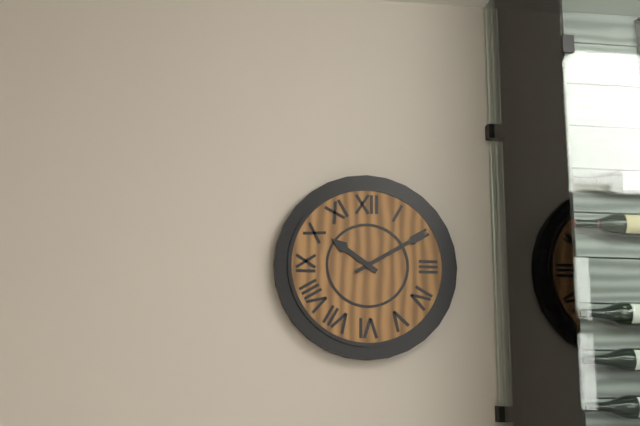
10.10
